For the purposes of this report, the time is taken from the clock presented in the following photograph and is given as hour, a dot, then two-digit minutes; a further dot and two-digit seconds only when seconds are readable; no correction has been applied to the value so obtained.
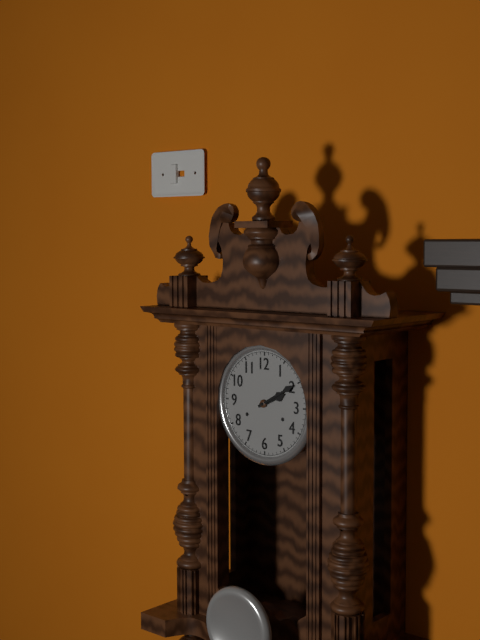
2.10
